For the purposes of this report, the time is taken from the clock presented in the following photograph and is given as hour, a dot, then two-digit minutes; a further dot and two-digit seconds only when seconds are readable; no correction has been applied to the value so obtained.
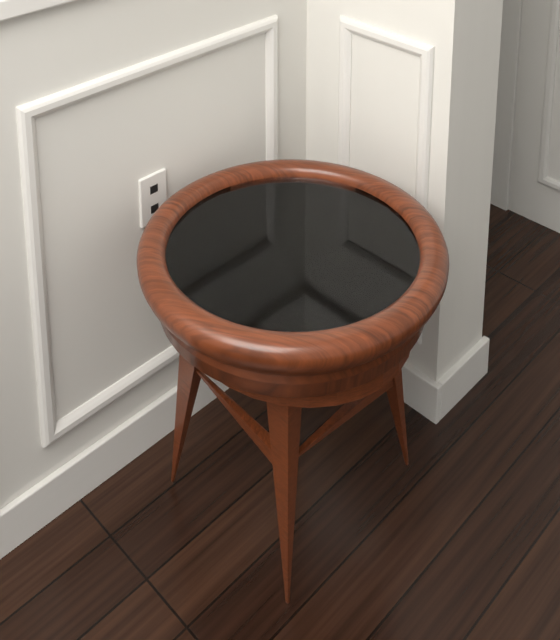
4.14
